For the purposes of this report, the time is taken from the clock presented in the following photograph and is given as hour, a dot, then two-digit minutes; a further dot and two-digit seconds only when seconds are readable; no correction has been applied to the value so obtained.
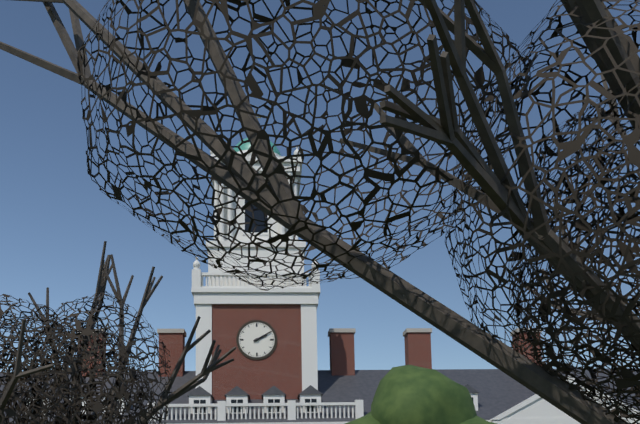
2.10
